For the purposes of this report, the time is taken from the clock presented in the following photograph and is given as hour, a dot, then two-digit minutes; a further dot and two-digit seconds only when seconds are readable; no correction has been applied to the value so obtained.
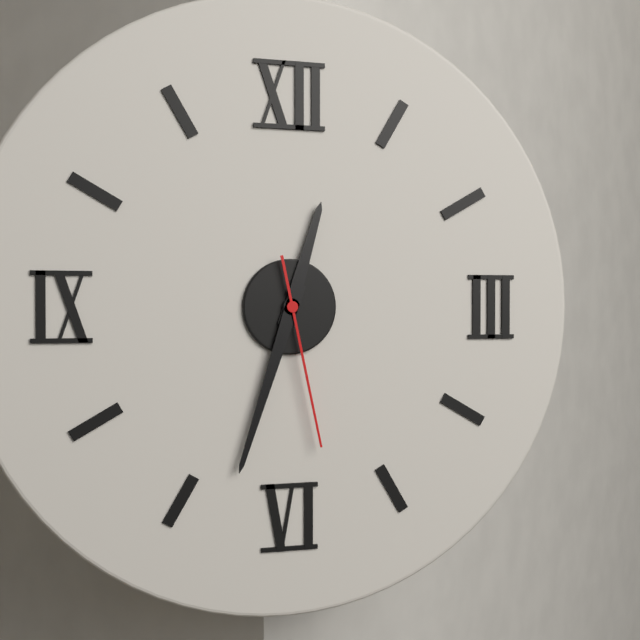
12.33.28
